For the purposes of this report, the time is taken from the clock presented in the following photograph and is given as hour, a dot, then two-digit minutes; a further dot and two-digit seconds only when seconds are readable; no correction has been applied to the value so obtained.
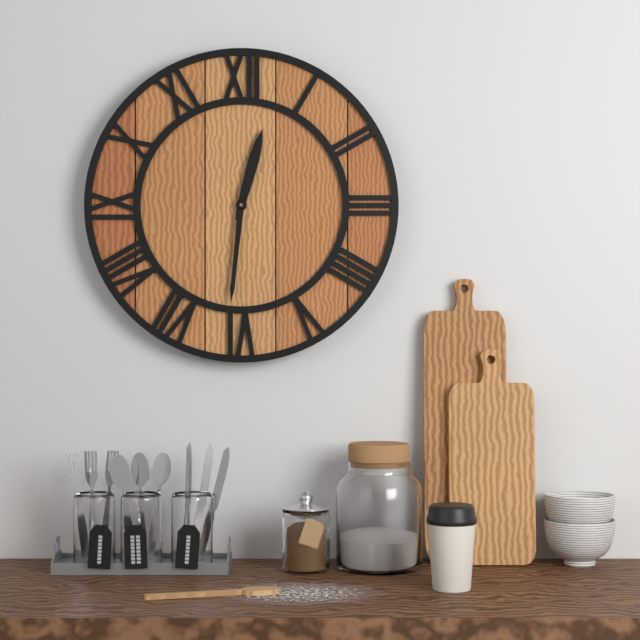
12.31
